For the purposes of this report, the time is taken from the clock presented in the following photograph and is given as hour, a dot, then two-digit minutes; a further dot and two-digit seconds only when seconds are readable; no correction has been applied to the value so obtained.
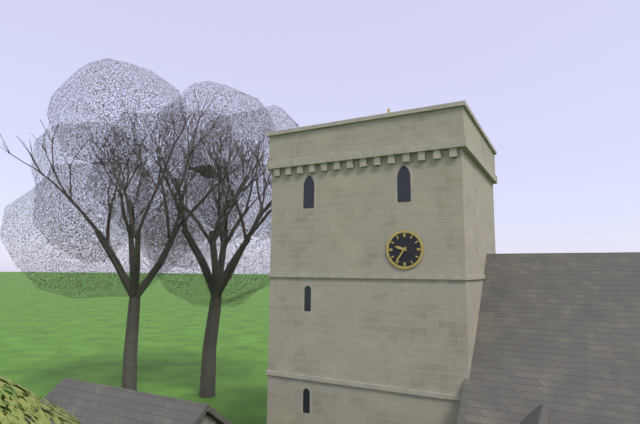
9.36
